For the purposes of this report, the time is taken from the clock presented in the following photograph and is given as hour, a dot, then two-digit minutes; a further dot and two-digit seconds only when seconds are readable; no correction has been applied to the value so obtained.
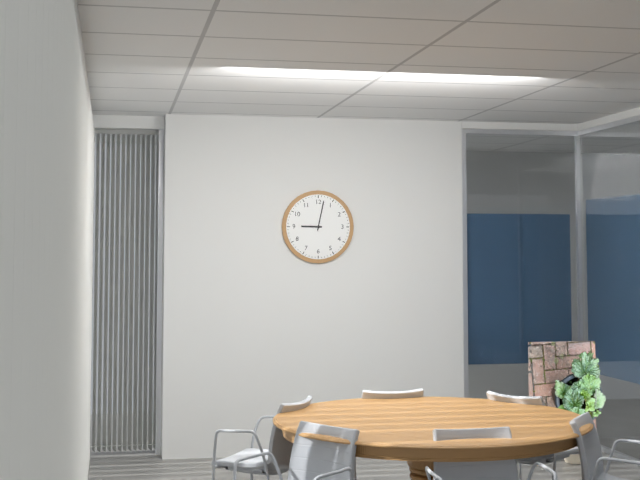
9.02
